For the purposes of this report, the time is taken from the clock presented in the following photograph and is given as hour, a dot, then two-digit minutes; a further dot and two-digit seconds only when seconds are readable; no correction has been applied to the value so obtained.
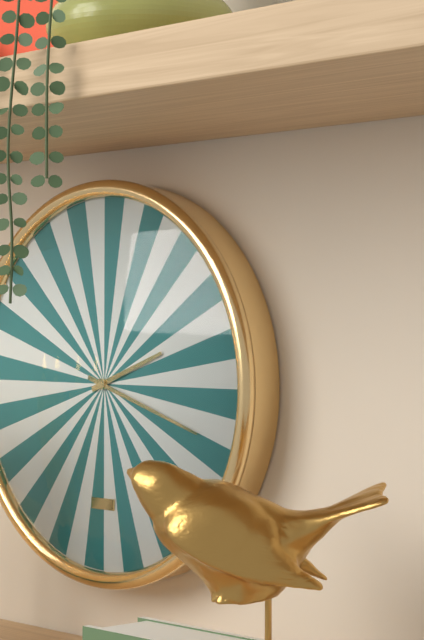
2.18
